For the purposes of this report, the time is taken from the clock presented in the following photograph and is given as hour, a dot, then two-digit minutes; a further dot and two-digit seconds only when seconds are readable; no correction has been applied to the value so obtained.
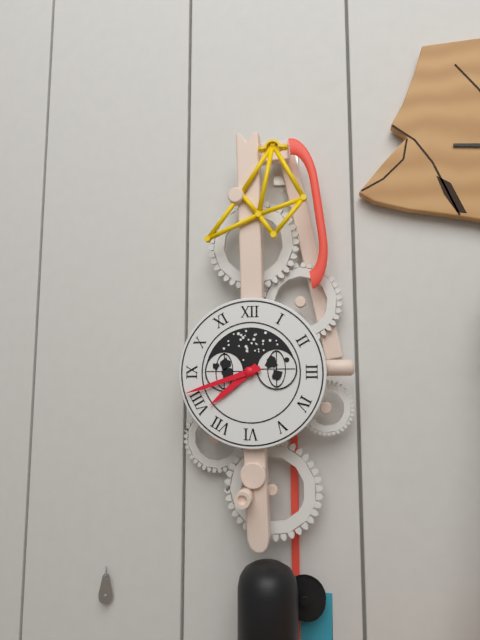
7.42
